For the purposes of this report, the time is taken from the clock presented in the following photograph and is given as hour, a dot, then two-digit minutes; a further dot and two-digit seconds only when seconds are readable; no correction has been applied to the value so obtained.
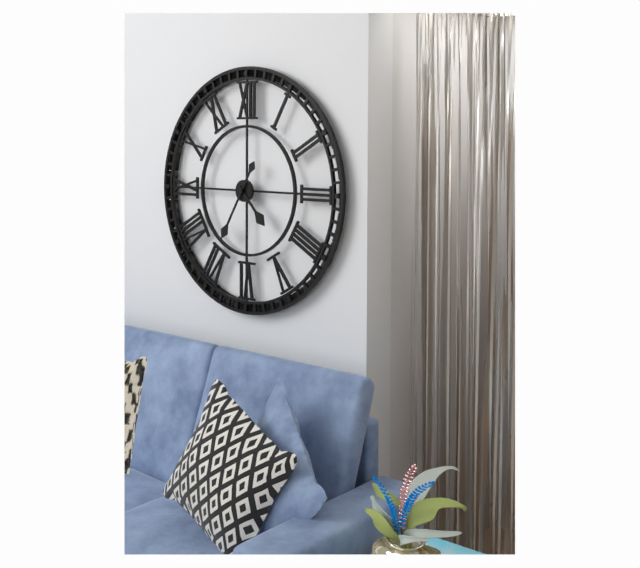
4.35
